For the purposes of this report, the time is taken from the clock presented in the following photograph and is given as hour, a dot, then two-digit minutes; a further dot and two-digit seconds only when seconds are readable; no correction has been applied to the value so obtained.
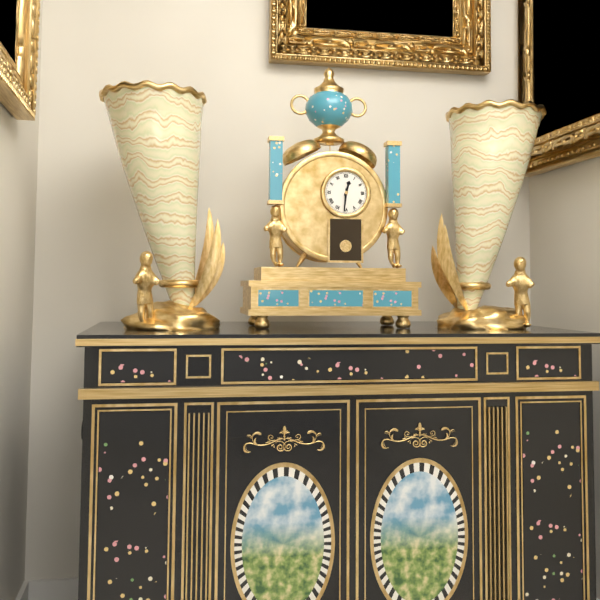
12.31
